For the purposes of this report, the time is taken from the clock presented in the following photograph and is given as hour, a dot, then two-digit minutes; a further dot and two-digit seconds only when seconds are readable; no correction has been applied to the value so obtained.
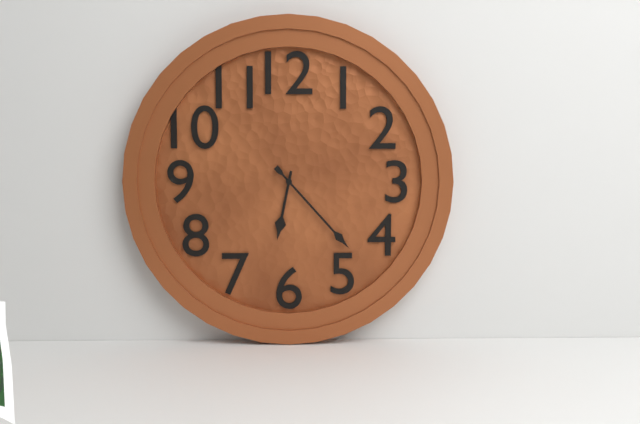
6.23
